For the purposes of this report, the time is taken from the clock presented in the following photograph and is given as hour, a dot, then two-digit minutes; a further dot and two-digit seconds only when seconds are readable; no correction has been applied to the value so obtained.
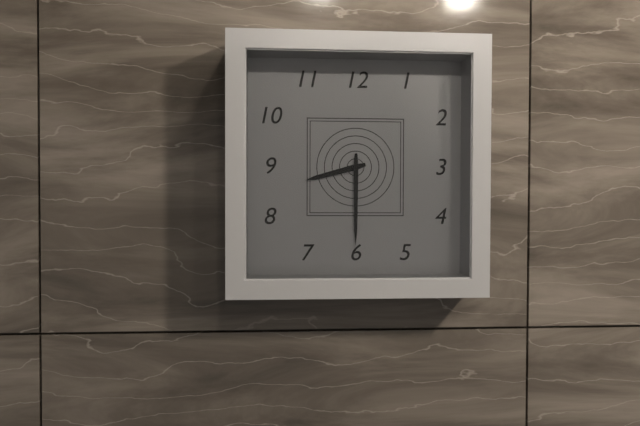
8.30
